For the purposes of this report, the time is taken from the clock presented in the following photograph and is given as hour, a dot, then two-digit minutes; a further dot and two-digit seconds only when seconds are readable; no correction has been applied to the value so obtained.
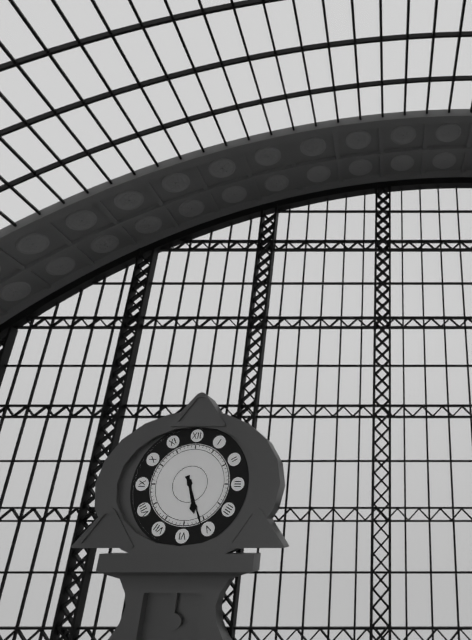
5.26
